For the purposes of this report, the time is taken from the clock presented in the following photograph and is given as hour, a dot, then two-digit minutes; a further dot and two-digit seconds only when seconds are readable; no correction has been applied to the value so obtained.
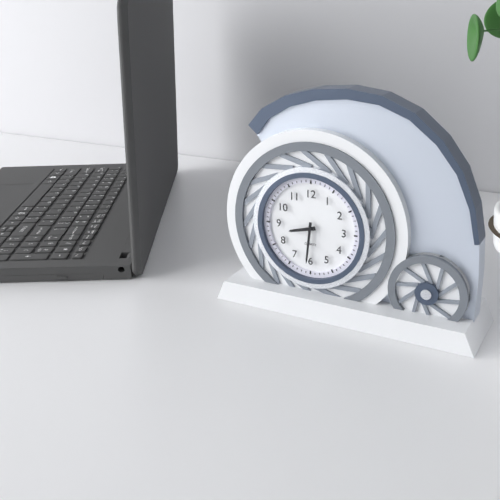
8.31
